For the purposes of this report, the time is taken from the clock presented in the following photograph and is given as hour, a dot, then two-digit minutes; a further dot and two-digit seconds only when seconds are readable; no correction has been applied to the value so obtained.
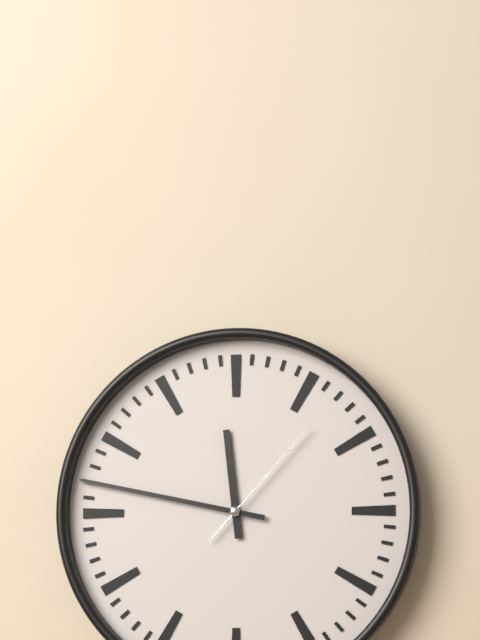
11.47.07
